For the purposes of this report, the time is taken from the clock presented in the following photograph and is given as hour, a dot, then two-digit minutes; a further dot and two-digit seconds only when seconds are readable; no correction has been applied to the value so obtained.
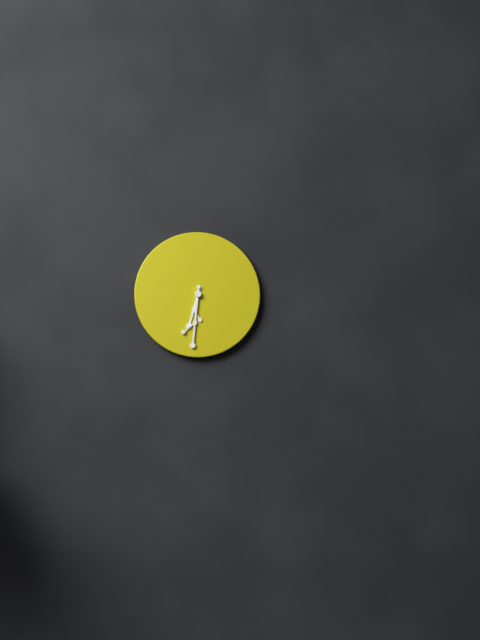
6.31
